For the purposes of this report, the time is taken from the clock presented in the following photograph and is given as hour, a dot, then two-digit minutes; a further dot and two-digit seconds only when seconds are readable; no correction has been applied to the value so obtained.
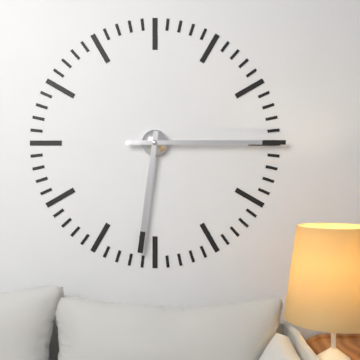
6.15
